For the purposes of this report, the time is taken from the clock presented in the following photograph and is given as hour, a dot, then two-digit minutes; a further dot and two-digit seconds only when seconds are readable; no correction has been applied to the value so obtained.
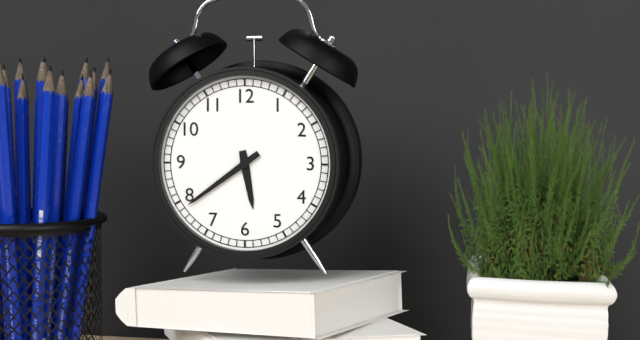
5.39
